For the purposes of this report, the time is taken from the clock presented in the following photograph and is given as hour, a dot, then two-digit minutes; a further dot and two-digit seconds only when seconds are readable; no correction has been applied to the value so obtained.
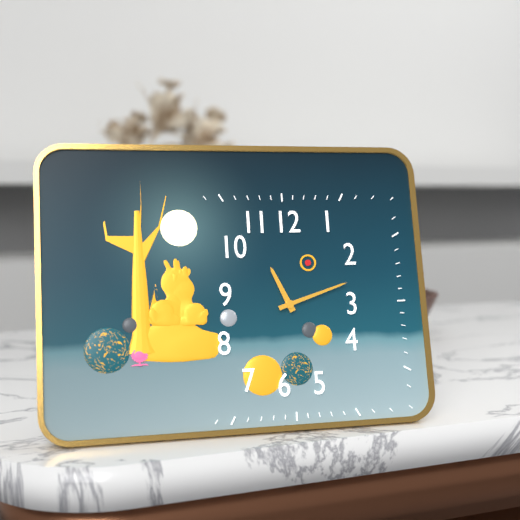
11.12
